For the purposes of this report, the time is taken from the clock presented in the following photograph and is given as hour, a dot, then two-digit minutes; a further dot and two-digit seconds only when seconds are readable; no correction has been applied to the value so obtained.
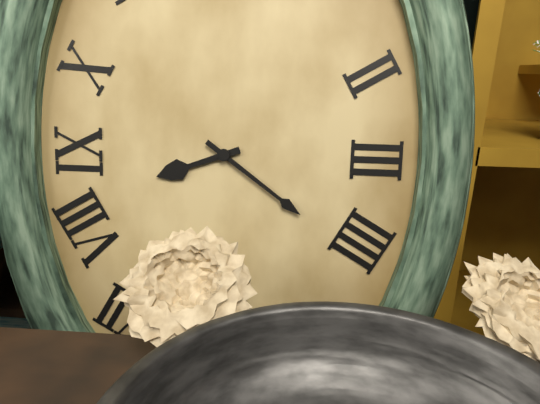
8.21
